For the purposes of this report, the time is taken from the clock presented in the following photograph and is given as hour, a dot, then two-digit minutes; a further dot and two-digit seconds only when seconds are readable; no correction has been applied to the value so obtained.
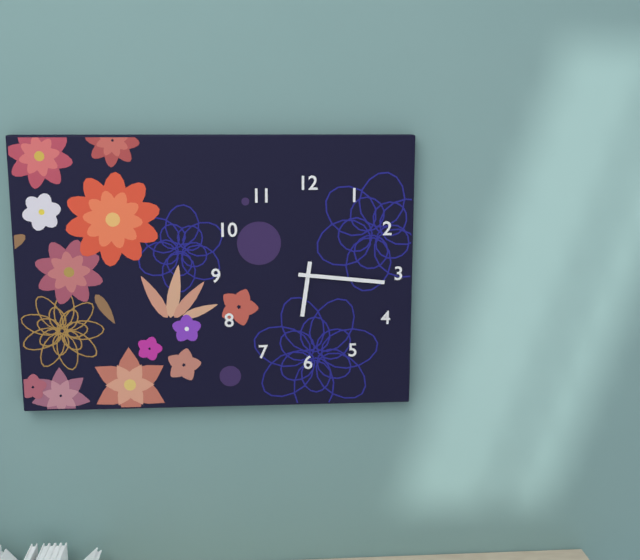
6.16
